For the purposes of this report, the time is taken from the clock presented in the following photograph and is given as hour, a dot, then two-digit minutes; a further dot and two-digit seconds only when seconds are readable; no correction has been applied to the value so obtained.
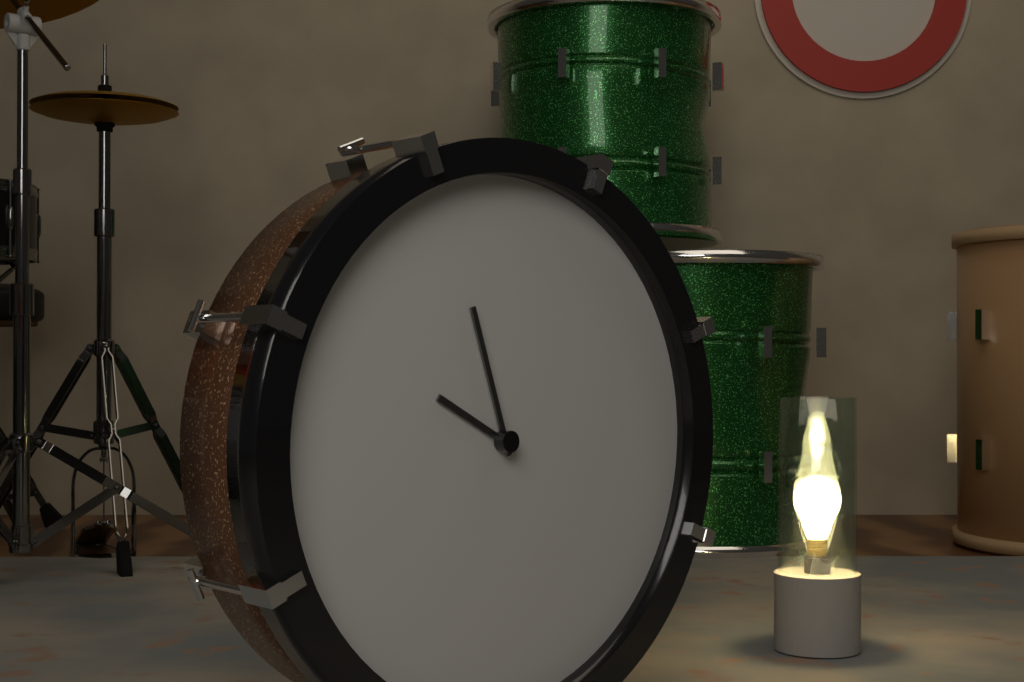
9.57
